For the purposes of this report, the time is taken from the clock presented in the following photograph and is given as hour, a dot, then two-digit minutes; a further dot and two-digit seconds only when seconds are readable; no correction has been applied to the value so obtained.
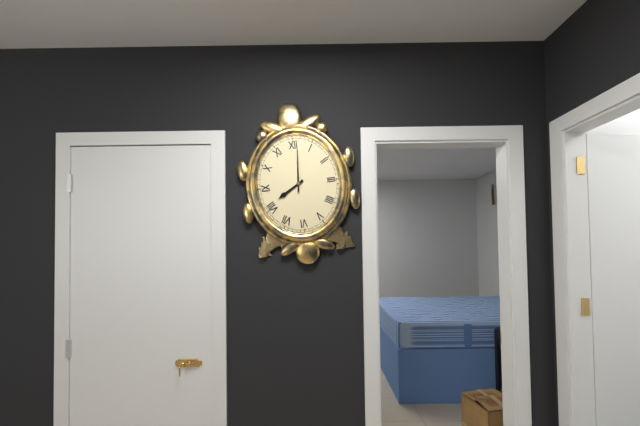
8.01
